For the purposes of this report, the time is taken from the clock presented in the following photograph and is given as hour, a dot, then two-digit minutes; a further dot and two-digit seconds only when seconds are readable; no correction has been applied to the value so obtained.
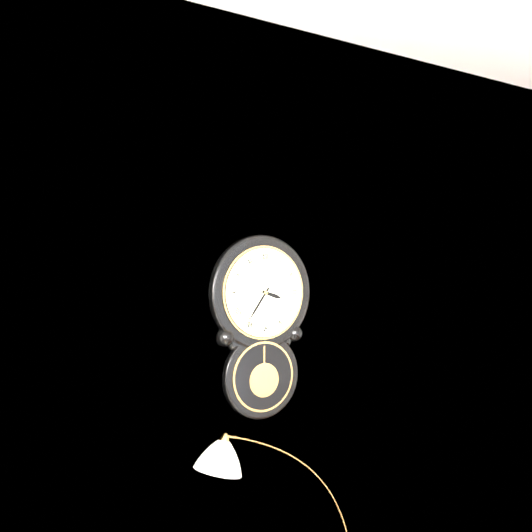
3.36
